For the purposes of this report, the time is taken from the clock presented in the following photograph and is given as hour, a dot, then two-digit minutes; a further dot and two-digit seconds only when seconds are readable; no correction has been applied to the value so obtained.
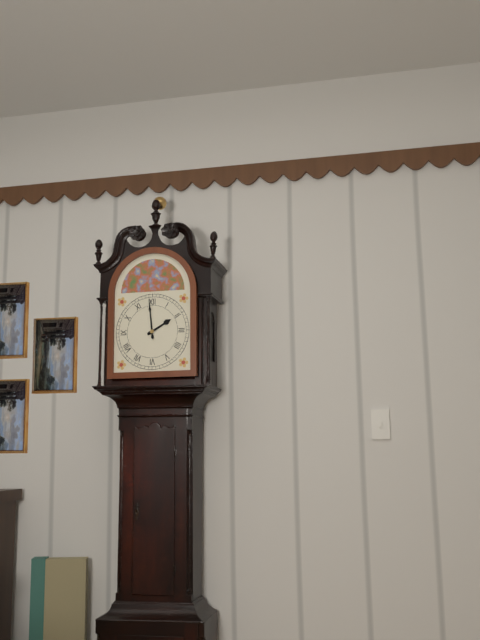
1.59
